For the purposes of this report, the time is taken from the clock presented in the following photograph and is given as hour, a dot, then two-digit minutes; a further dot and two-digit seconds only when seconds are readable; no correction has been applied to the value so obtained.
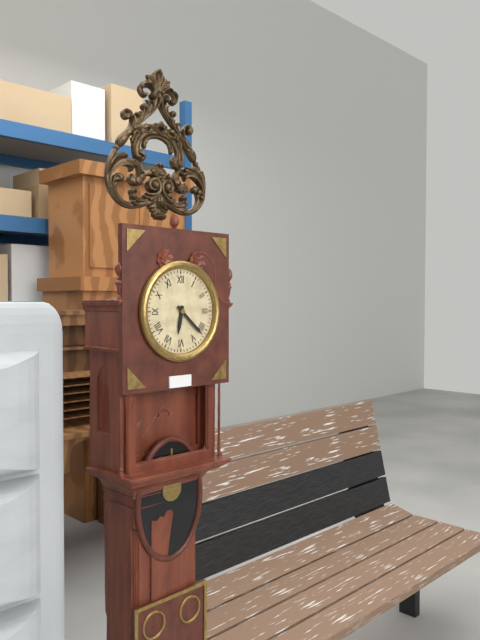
6.22
